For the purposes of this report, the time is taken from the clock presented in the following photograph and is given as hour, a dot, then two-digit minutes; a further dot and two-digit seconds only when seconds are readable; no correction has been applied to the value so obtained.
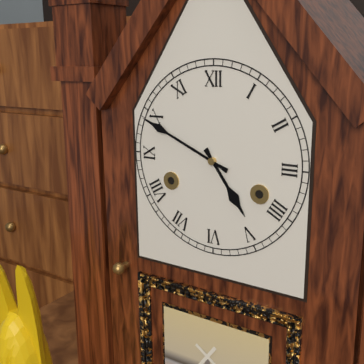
4.49
